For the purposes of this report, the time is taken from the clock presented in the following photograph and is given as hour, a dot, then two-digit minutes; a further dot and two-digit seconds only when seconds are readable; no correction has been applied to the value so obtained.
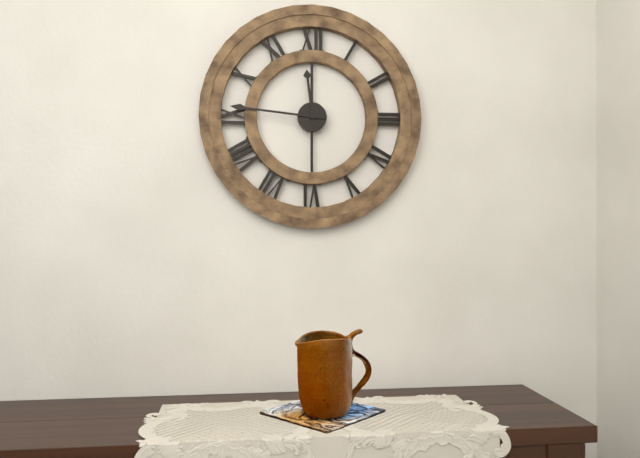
11.46
